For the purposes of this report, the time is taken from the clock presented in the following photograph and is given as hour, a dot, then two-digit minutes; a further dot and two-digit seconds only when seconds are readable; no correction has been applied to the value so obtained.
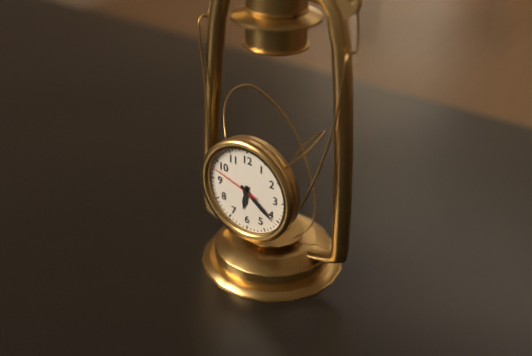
6.21
